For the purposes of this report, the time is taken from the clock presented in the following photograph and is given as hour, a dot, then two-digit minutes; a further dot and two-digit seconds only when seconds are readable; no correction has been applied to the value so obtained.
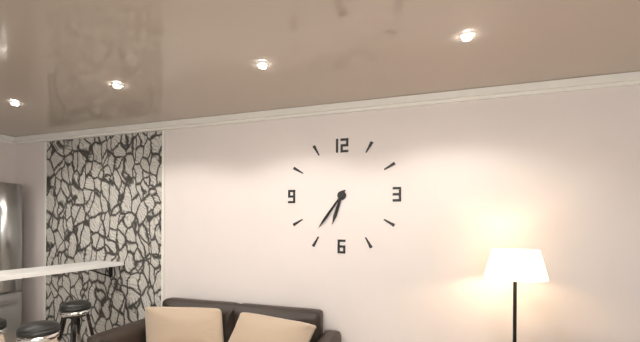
6.36
